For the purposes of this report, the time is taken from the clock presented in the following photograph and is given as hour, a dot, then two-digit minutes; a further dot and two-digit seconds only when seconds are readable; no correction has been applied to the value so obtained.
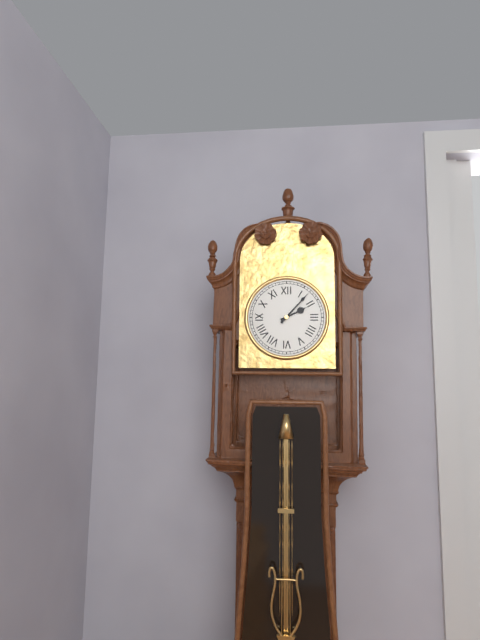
2.07
